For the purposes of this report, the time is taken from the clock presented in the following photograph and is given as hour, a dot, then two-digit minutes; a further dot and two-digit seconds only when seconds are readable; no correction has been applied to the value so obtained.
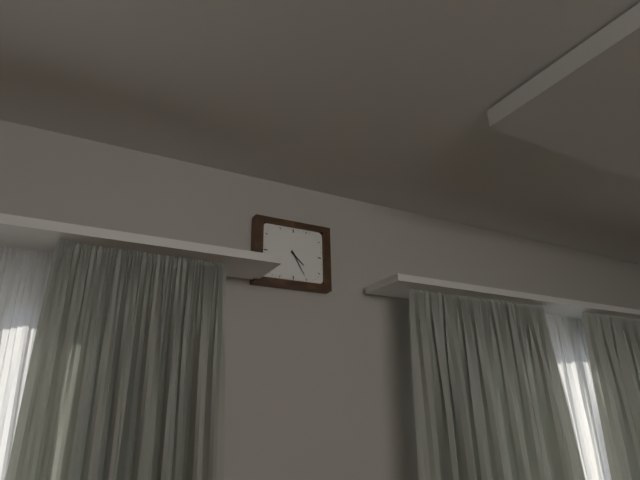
4.25
